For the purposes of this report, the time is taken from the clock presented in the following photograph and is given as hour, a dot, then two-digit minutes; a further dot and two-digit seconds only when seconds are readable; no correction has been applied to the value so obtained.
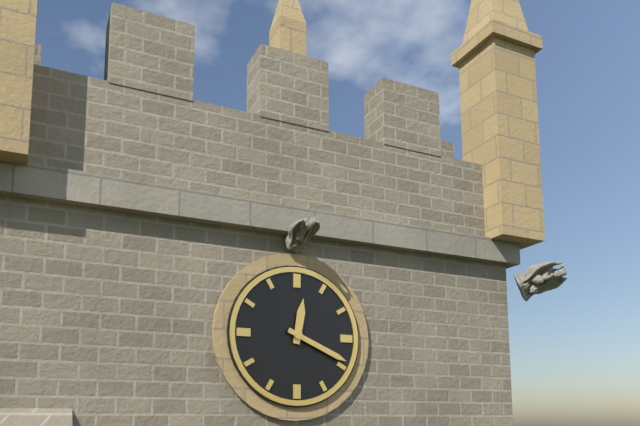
12.19
